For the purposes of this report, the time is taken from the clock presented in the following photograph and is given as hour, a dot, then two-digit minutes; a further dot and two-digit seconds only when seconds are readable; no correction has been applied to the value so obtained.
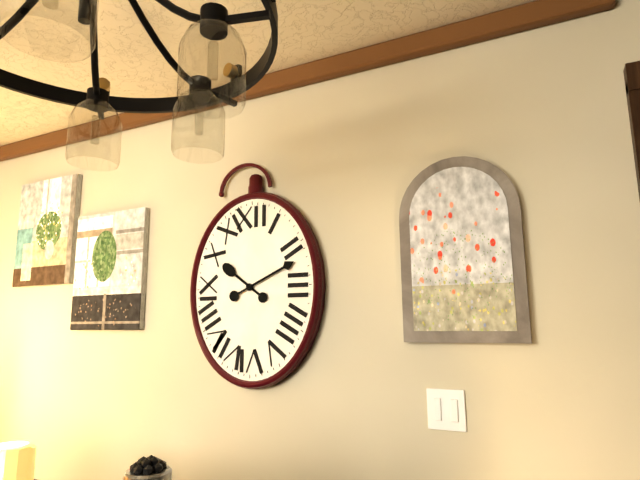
10.11
